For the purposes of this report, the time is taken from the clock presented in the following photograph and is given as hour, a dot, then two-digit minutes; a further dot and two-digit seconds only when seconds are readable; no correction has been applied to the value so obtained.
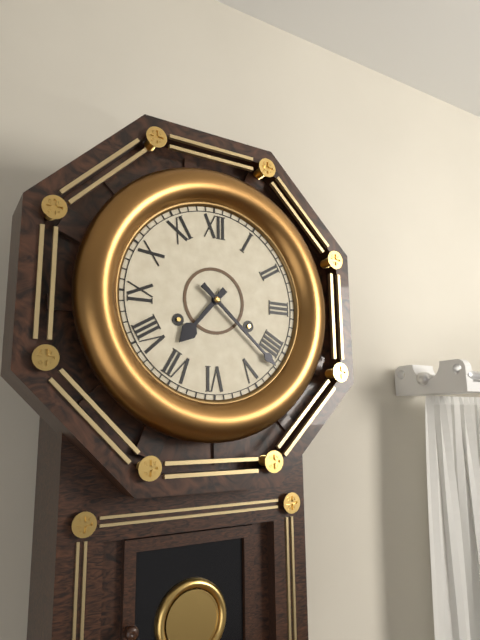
7.22
